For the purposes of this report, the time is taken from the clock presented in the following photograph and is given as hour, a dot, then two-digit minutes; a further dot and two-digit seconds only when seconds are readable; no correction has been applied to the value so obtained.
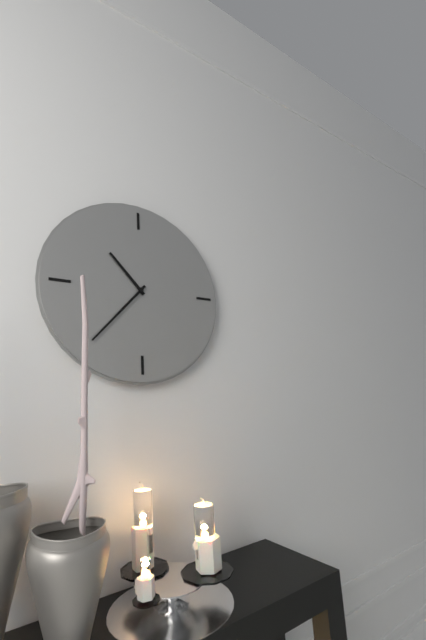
10.37
